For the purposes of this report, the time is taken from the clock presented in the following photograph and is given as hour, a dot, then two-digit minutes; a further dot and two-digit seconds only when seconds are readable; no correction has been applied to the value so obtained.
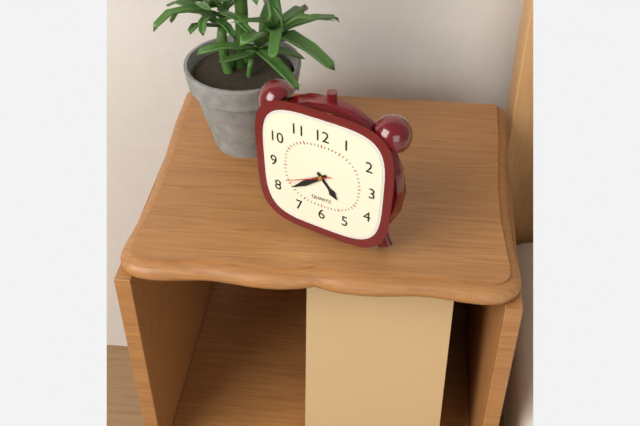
4.39
